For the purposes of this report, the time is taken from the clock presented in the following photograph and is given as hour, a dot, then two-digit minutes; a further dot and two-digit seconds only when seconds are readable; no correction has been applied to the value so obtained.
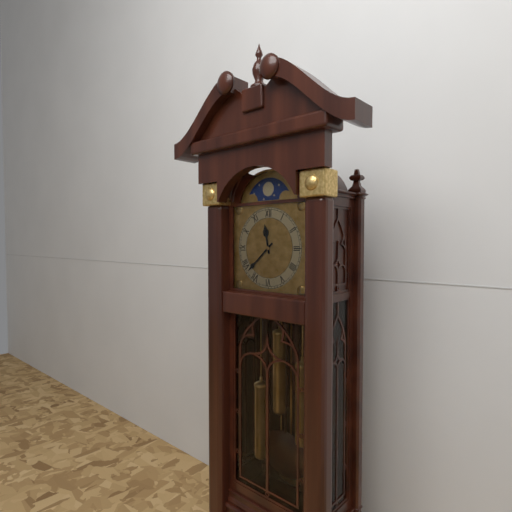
11.38
